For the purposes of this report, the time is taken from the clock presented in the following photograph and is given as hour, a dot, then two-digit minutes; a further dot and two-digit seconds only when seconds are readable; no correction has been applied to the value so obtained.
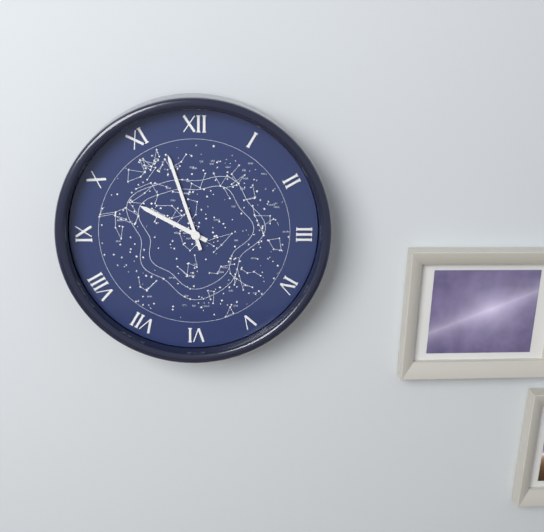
9.57
